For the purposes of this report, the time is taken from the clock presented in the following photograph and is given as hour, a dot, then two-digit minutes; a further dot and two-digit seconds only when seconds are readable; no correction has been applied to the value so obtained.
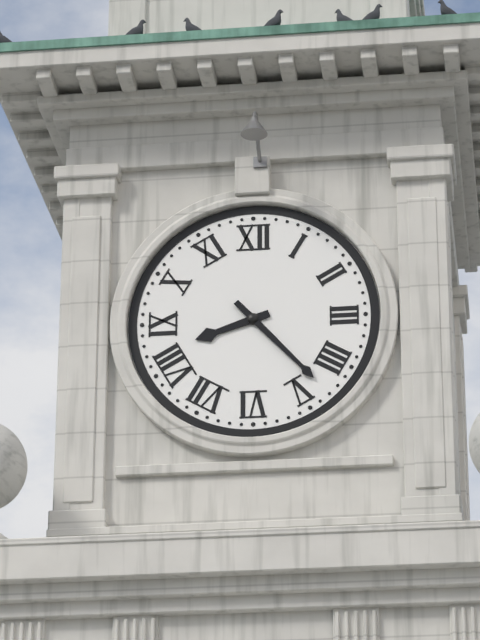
8.23
